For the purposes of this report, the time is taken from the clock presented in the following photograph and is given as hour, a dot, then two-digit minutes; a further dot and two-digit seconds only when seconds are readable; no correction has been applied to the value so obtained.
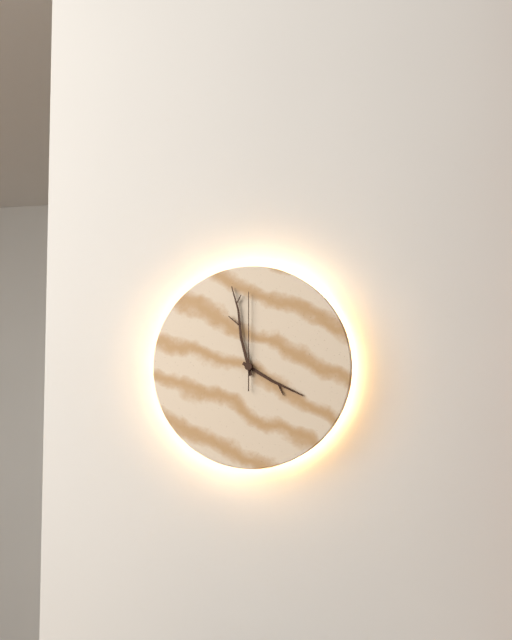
3.58.00
